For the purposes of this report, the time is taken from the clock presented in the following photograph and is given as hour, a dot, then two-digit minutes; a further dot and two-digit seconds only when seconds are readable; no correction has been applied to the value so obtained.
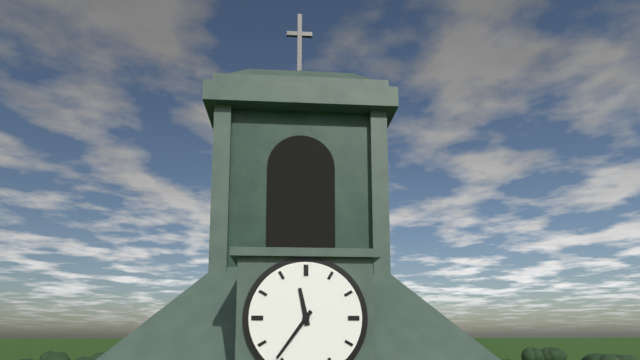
11.36
